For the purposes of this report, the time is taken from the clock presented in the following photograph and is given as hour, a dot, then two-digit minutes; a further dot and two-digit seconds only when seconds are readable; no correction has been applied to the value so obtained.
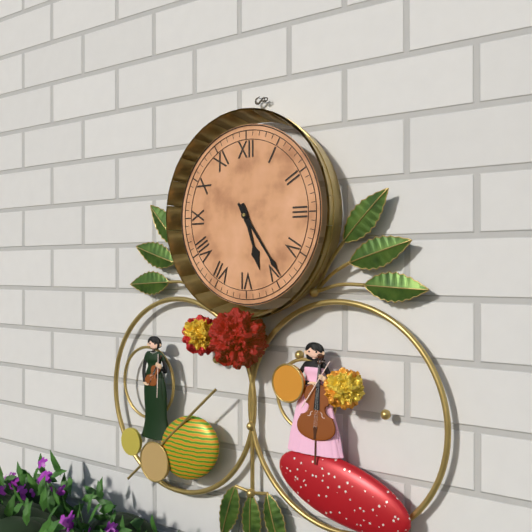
5.24
